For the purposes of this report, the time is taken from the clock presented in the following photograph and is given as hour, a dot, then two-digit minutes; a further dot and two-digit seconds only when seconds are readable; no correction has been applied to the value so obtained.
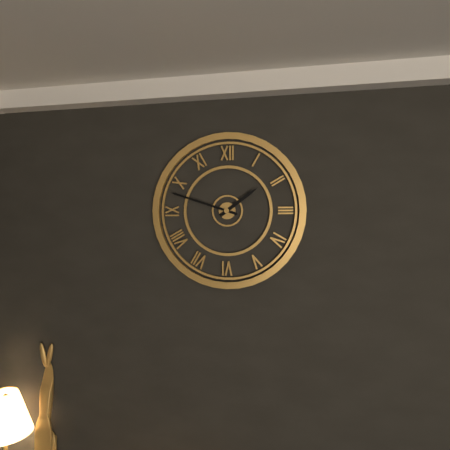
1.48
